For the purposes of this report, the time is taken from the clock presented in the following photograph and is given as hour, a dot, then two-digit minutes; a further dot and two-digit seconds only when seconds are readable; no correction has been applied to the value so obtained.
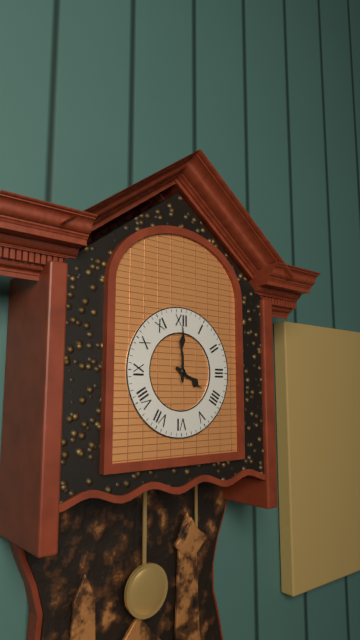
4.00
